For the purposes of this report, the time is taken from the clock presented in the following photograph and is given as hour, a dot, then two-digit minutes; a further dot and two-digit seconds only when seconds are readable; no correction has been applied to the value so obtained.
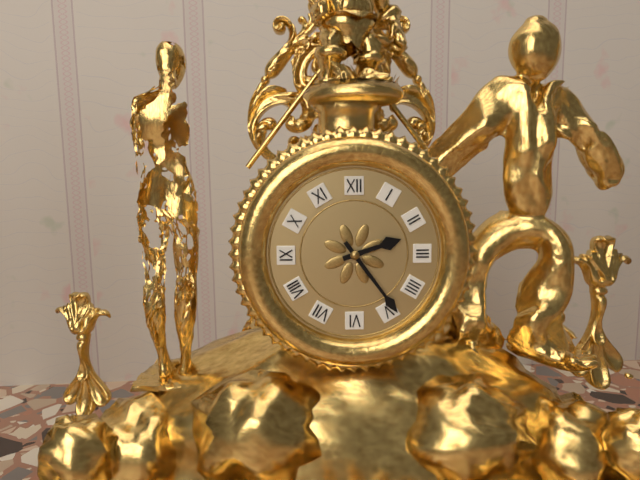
2.24
